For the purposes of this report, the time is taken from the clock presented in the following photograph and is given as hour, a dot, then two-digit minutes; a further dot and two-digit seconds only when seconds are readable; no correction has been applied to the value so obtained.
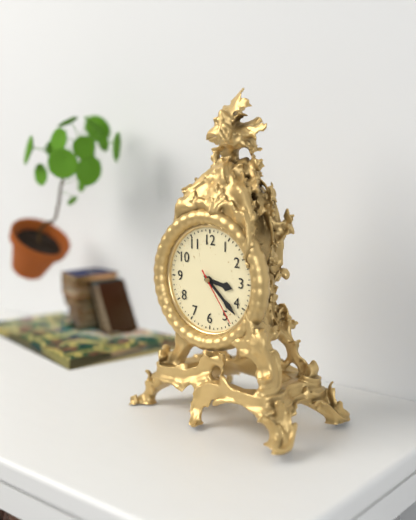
3.22.24
